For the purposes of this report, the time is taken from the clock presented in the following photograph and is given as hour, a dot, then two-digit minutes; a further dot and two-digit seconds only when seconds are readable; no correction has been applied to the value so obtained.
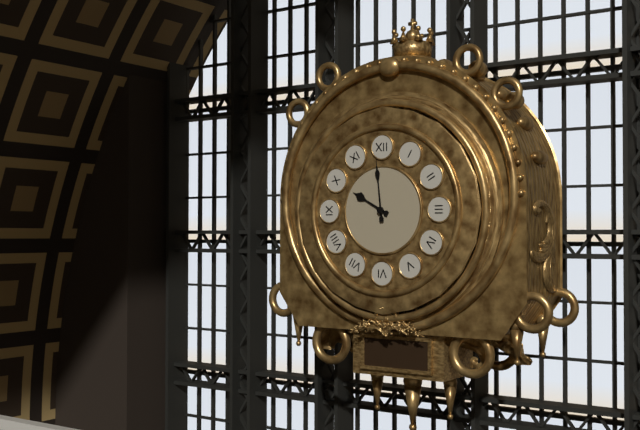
9.59
